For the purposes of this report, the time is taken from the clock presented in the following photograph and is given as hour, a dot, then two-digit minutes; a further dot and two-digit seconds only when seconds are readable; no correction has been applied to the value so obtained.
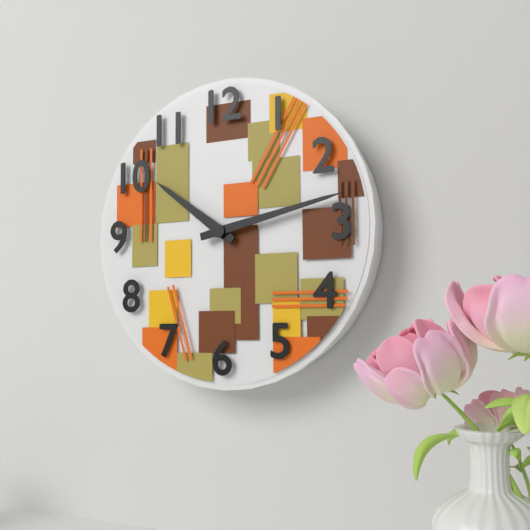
10.13
